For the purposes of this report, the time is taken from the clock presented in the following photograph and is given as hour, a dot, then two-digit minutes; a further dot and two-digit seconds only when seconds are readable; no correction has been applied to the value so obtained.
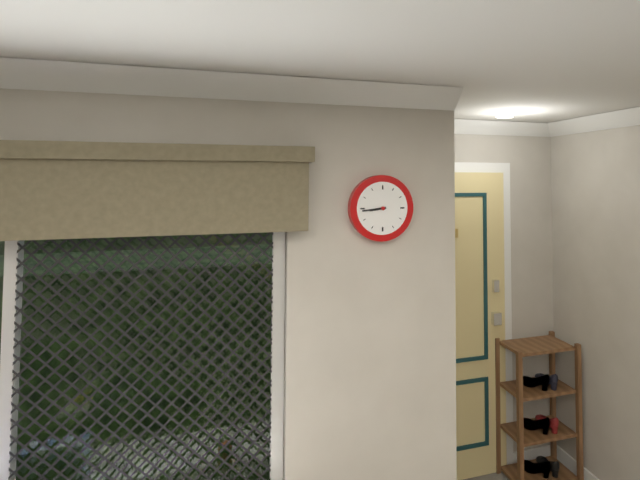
8.44
